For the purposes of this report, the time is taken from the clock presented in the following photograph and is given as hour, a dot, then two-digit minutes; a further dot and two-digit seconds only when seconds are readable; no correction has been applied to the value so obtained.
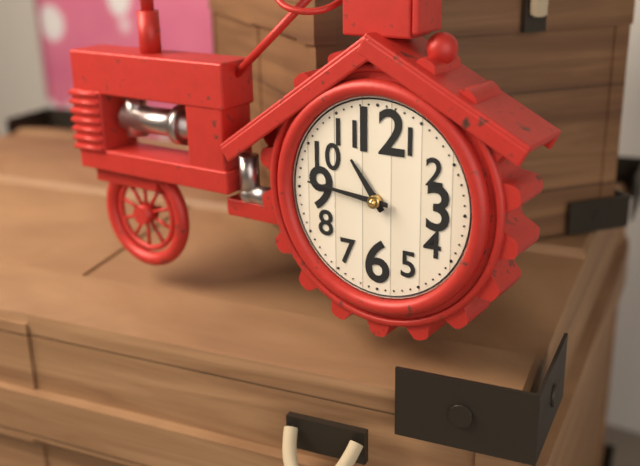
10.46
